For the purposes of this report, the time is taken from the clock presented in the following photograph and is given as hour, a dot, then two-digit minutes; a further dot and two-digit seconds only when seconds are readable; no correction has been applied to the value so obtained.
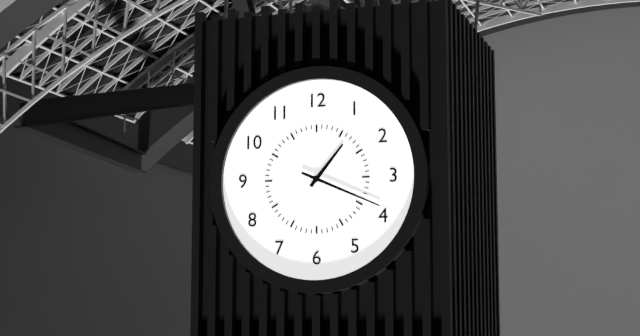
1.19
